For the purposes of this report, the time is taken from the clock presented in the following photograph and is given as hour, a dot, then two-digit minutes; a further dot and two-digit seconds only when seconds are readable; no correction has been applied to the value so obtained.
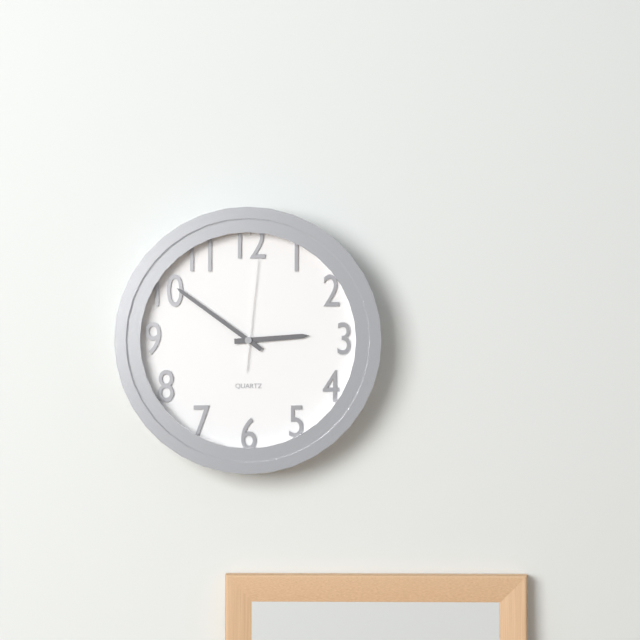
2.51.01
